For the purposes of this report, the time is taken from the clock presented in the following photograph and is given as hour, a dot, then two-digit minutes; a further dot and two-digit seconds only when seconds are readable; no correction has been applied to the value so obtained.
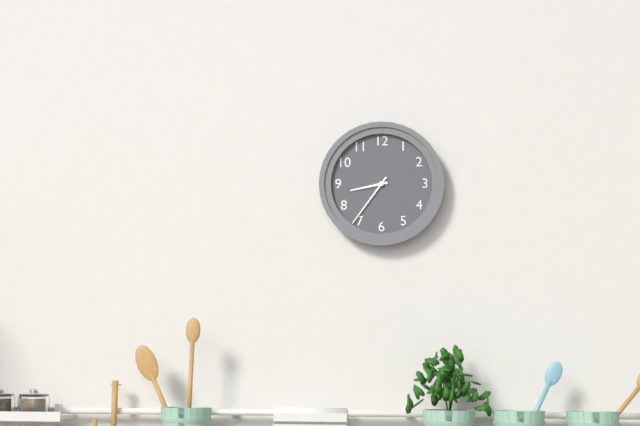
8.36
